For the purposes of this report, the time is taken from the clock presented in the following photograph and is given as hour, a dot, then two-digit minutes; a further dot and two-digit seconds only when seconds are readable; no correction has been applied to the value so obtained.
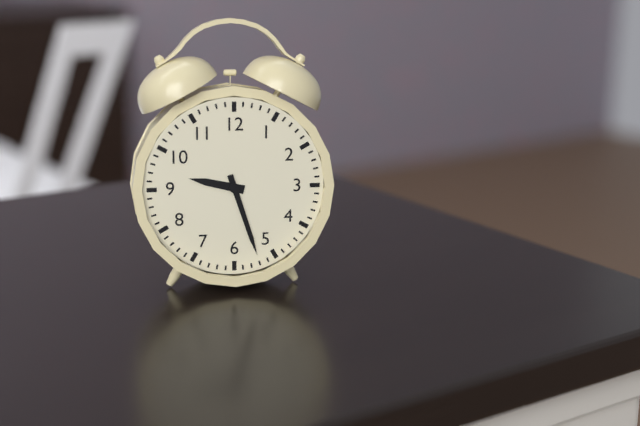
9.27
